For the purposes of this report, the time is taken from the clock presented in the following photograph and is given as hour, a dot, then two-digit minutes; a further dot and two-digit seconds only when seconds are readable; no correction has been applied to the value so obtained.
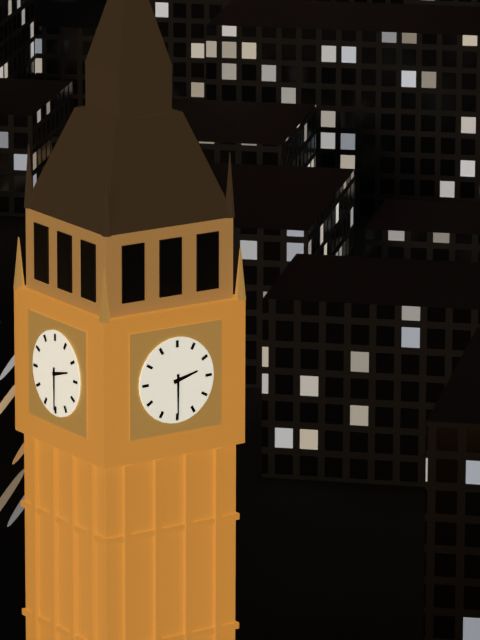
2.30
